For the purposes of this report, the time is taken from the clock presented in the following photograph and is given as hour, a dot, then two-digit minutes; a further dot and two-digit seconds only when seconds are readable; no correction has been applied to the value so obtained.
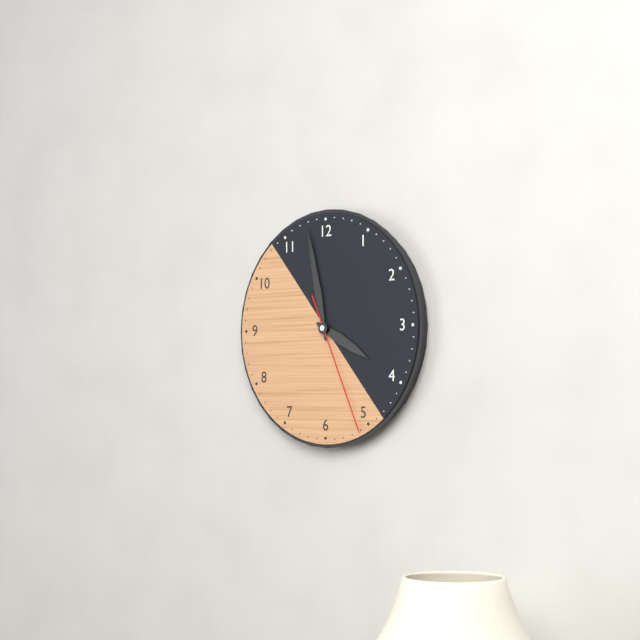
3.58.26
